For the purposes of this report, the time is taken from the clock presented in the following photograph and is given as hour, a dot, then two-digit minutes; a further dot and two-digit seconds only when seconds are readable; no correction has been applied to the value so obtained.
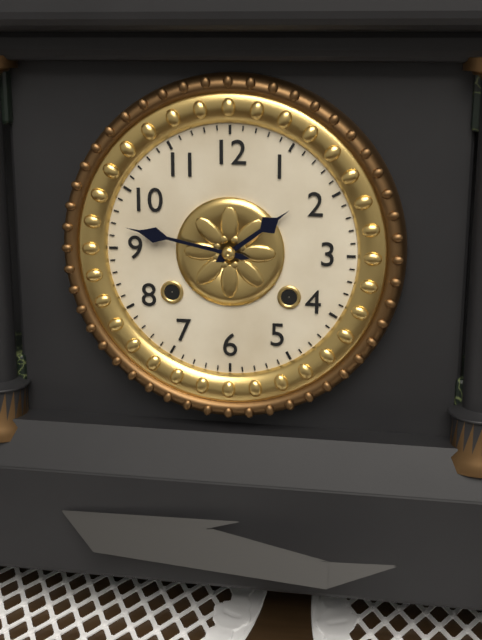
1.47
